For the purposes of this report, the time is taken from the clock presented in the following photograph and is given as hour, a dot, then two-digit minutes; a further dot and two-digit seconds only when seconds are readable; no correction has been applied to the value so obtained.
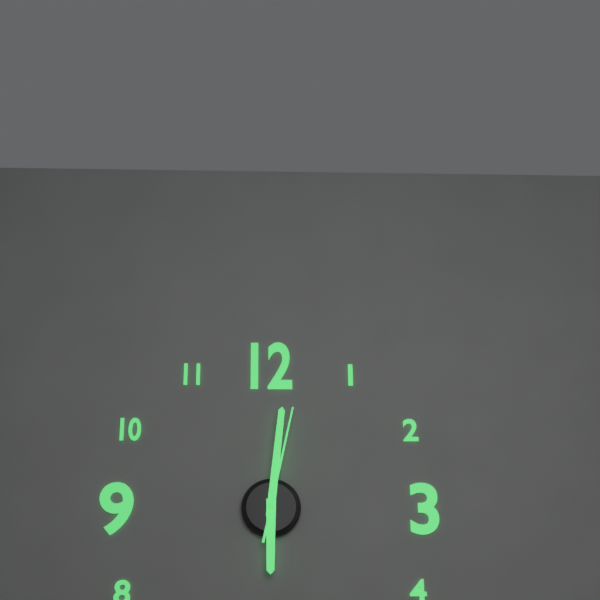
6.01.02
